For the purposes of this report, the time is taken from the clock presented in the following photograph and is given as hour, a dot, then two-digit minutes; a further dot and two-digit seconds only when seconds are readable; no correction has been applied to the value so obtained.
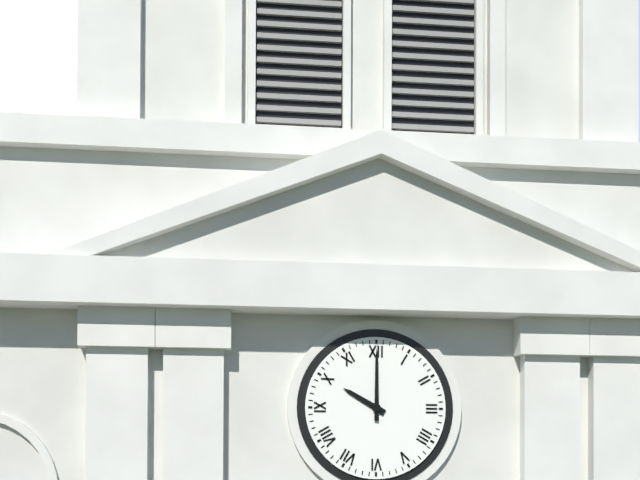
10.00
